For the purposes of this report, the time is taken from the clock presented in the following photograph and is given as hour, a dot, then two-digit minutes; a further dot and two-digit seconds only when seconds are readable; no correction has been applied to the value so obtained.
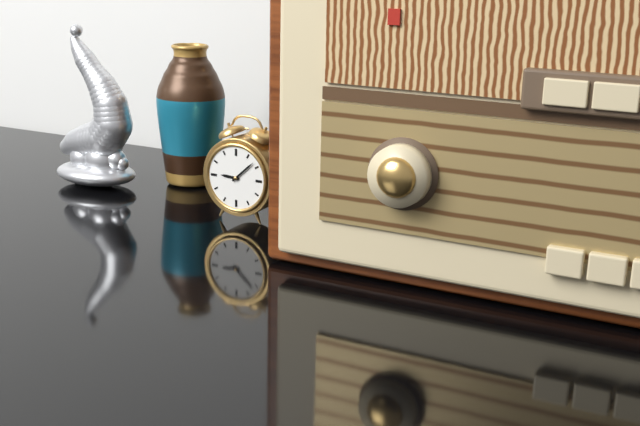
9.08
